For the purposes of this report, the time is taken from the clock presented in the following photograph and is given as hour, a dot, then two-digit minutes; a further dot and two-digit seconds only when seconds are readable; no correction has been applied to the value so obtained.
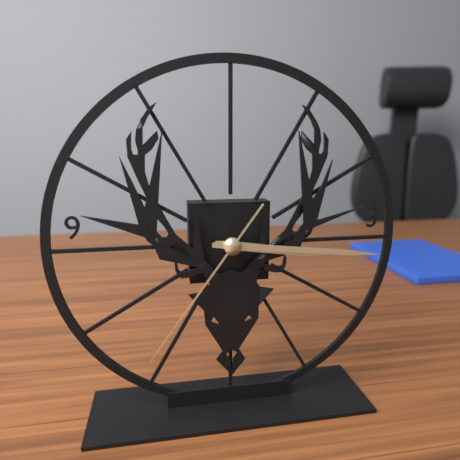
3.16.36
